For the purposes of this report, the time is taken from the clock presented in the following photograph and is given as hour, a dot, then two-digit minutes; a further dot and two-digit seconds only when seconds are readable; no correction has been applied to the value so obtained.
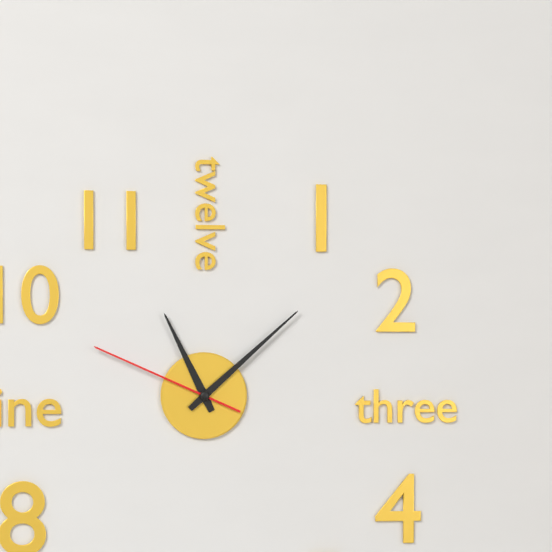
11.08.49
